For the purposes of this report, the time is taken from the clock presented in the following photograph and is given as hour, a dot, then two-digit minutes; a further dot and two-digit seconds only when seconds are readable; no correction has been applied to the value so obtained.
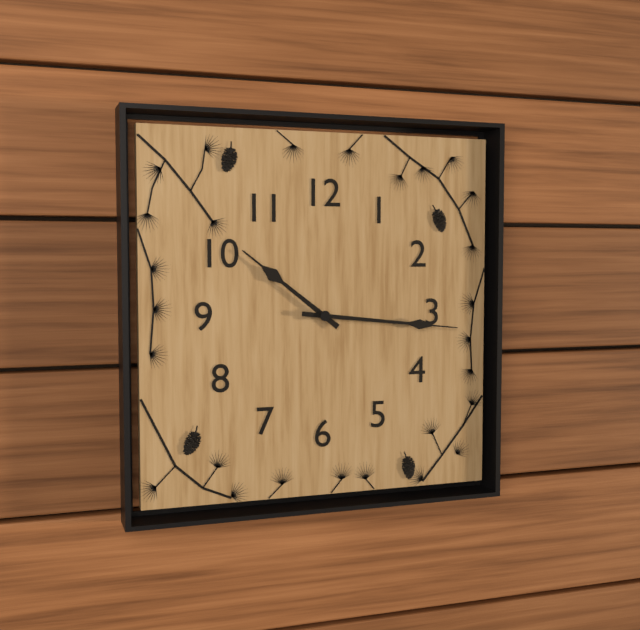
10.16
